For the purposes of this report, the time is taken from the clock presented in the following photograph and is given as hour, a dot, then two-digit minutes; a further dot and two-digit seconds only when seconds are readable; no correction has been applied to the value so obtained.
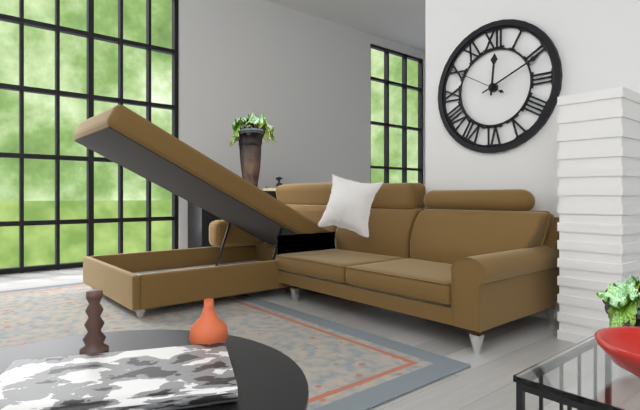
12.11.50
